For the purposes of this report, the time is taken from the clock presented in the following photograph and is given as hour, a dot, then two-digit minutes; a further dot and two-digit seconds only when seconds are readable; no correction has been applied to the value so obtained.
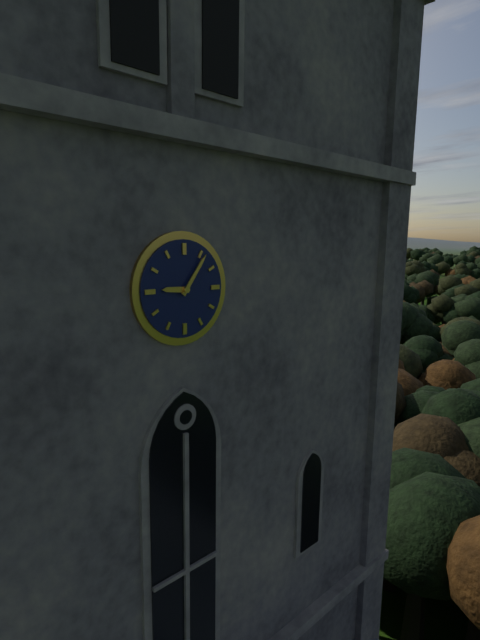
9.06
